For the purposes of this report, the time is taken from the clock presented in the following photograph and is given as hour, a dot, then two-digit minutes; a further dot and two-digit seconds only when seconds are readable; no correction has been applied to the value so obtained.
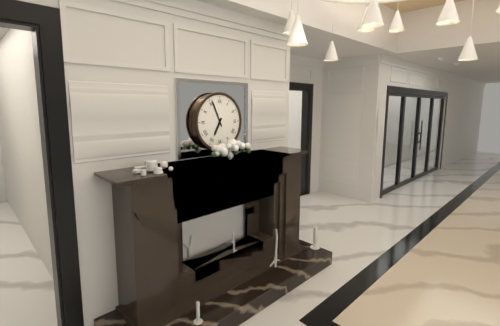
6.56
